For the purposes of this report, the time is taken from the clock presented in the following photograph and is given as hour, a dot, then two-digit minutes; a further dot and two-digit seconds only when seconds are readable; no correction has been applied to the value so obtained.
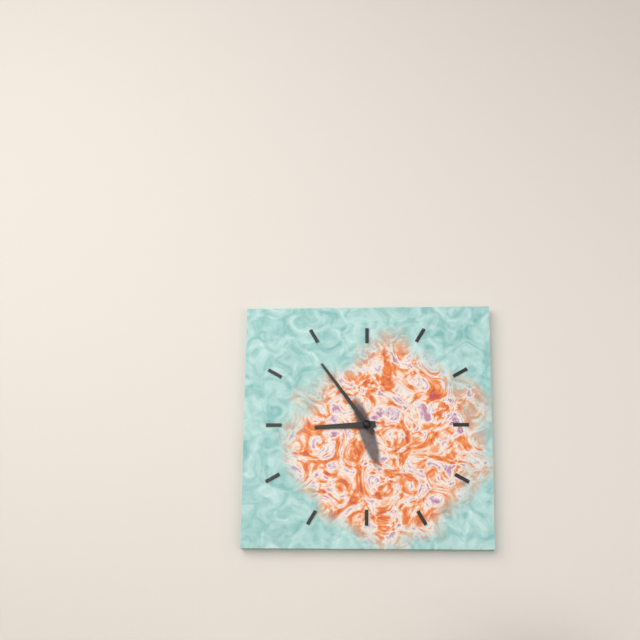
8.54
